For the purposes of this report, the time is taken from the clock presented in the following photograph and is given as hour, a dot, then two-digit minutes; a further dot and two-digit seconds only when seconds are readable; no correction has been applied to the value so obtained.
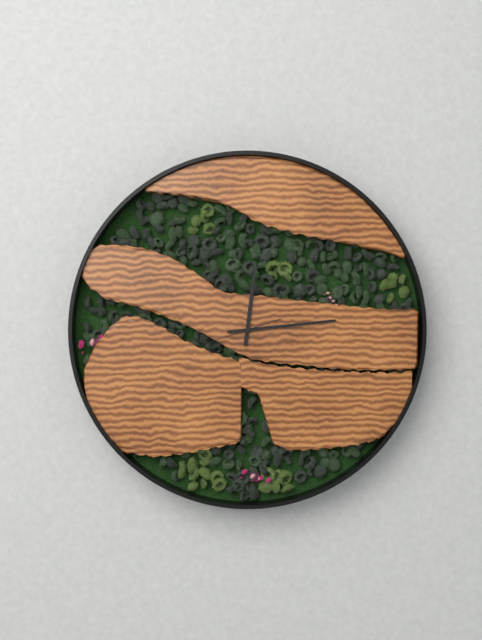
12.14.42
